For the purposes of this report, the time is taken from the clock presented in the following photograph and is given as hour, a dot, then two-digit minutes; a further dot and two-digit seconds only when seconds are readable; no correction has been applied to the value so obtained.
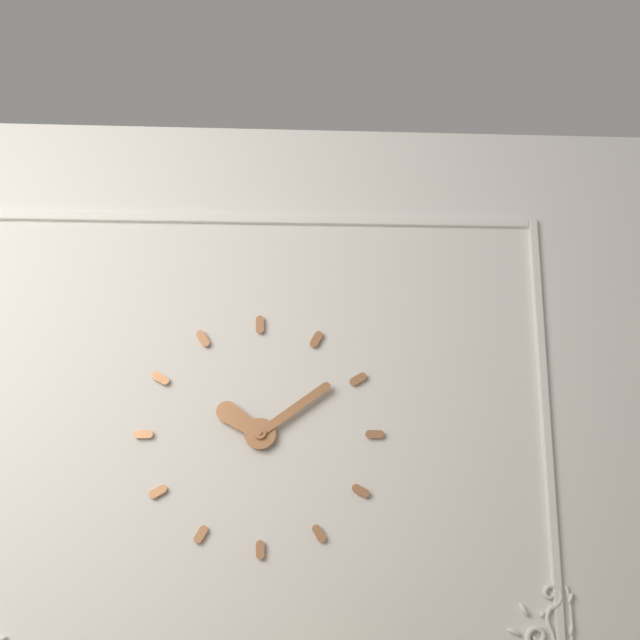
10.09
